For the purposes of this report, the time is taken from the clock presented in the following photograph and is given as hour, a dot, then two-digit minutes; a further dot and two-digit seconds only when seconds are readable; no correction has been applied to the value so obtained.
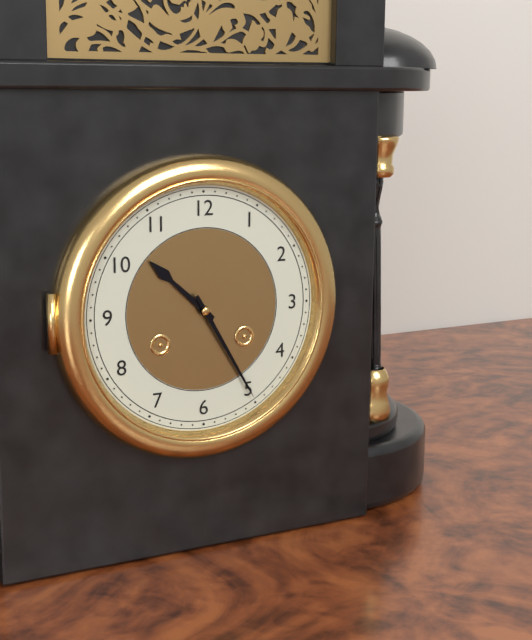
10.25
